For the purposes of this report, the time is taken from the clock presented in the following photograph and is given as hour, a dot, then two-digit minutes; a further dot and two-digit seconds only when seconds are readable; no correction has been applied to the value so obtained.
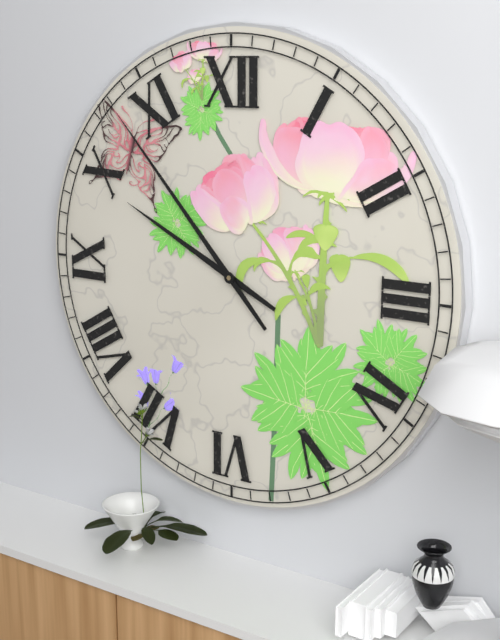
9.53
